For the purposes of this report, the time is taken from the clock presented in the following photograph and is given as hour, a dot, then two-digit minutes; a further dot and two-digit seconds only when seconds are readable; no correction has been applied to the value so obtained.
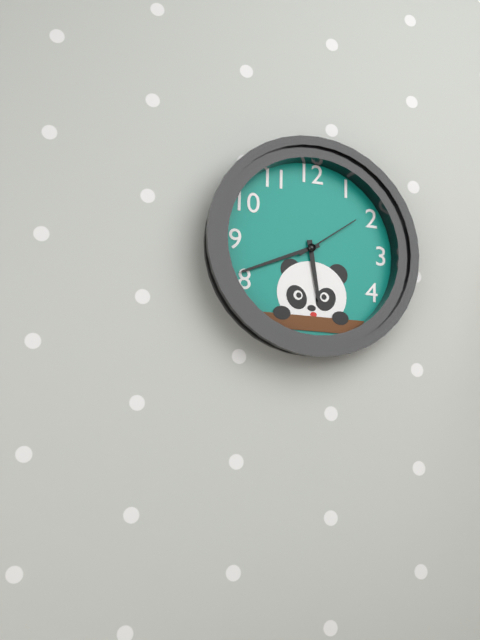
5.41.09
